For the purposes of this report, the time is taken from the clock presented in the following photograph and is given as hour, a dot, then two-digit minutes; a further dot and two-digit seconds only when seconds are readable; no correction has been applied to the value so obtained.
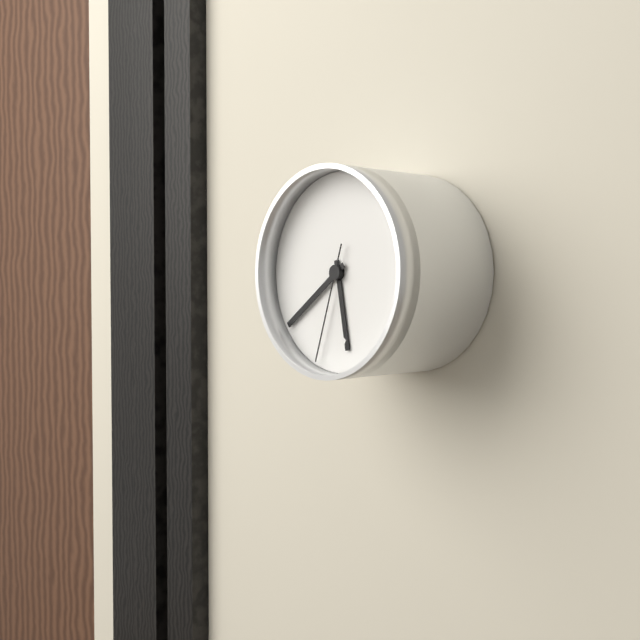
5.39.33
